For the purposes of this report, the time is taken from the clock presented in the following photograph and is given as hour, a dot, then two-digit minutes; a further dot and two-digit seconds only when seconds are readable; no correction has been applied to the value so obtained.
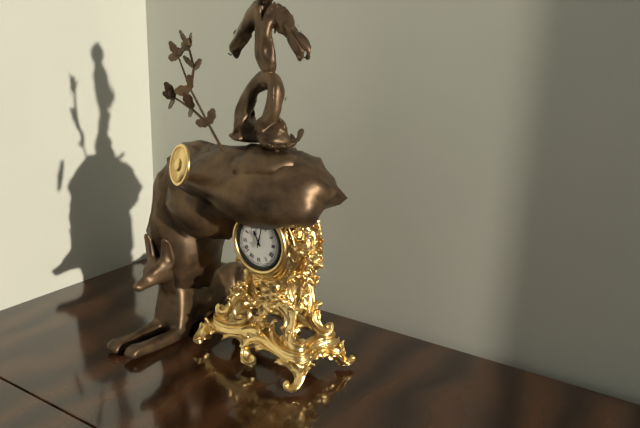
11.02
